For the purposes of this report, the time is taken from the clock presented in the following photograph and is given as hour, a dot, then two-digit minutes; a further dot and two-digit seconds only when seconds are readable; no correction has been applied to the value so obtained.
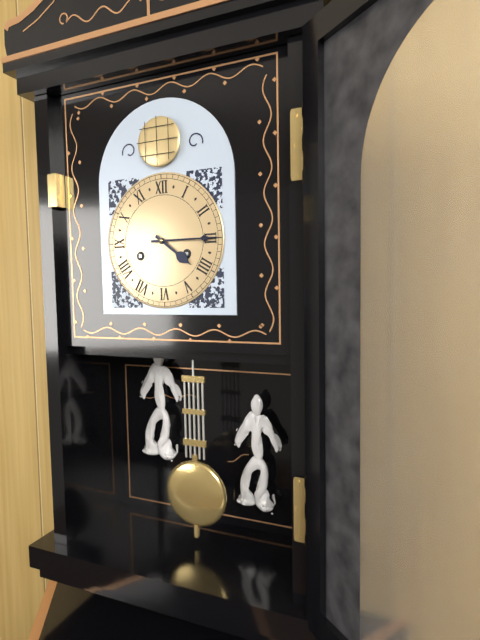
4.15
